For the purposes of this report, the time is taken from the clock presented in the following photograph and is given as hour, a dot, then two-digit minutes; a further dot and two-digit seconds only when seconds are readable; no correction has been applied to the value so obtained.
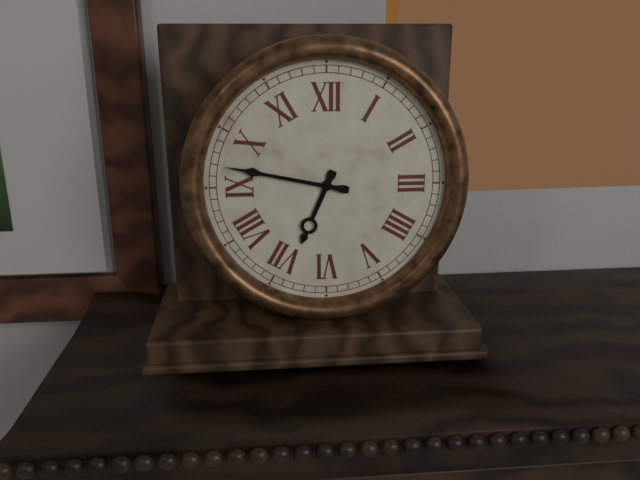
6.47
